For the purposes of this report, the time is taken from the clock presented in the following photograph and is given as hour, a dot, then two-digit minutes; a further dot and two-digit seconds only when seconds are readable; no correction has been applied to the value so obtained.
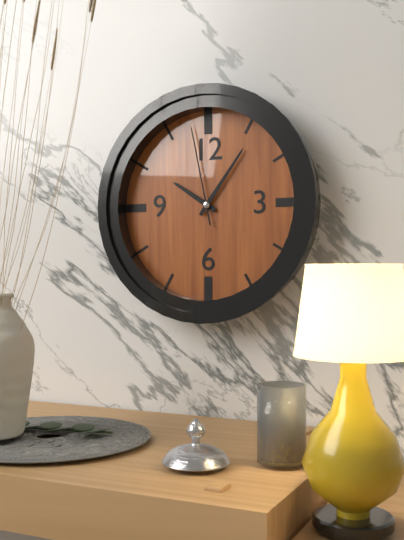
10.06.58
